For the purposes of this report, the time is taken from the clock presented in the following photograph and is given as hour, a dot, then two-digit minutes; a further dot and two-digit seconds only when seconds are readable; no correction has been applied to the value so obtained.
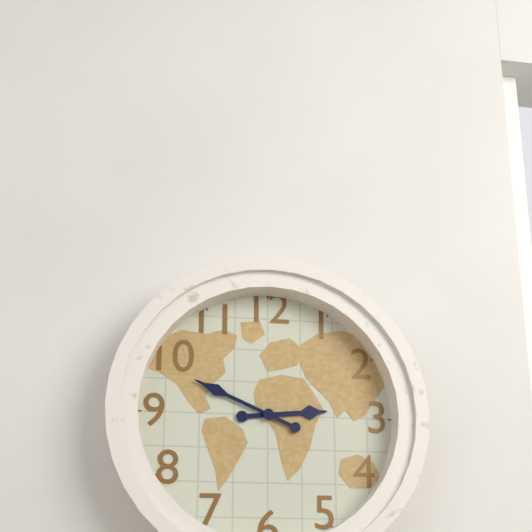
2.49
